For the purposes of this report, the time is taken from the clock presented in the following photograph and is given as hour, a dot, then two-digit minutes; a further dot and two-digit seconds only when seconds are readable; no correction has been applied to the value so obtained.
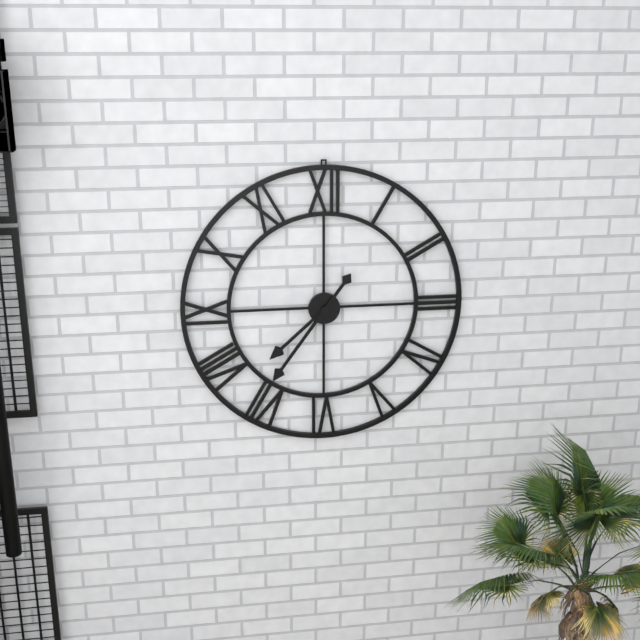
7.36
